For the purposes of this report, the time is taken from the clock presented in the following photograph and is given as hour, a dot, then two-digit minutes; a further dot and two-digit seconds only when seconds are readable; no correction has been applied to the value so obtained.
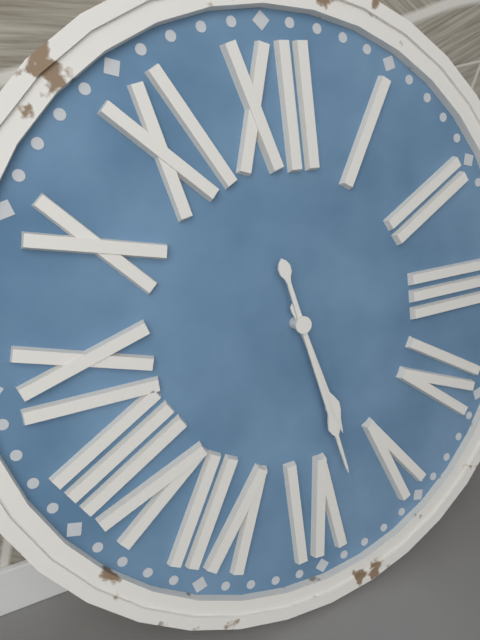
5.28
